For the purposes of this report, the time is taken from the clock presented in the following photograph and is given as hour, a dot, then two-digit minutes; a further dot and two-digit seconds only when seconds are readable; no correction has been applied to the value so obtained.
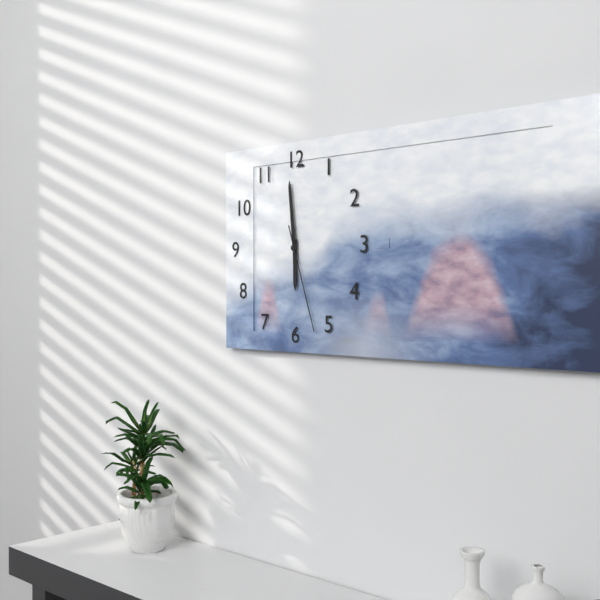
5.59.27
